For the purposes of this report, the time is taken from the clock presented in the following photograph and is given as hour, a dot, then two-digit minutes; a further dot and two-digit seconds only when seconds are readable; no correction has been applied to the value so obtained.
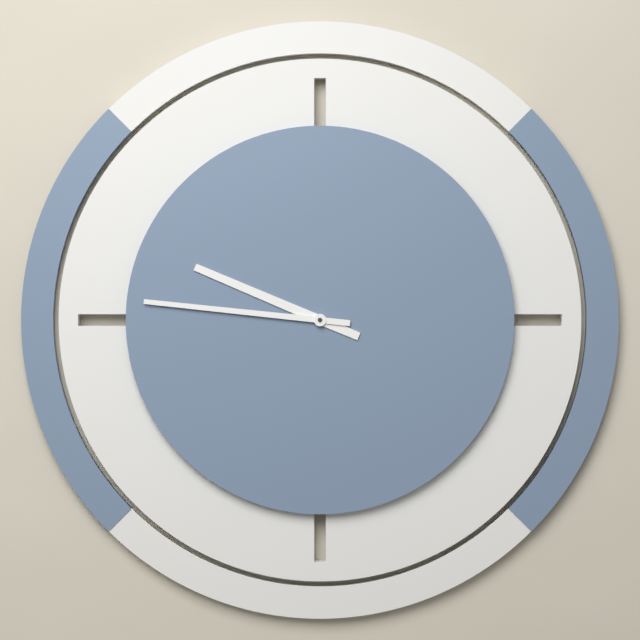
9.46
